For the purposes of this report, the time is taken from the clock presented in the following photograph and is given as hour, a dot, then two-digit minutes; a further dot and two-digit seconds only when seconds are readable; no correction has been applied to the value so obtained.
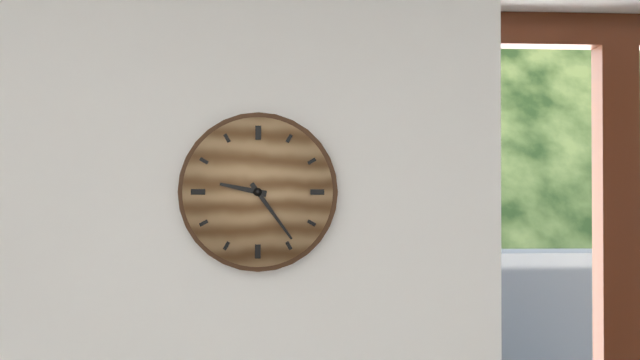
9.24
